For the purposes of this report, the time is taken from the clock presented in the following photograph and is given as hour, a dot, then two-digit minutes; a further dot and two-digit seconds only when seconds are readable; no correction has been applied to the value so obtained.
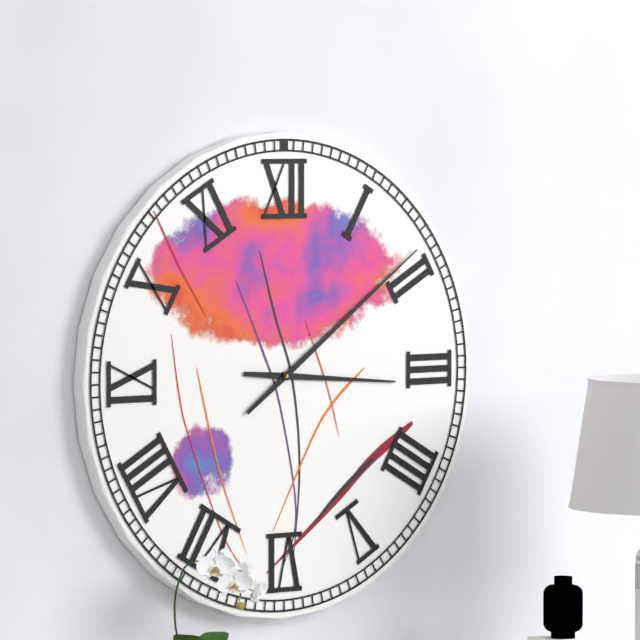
3.09
